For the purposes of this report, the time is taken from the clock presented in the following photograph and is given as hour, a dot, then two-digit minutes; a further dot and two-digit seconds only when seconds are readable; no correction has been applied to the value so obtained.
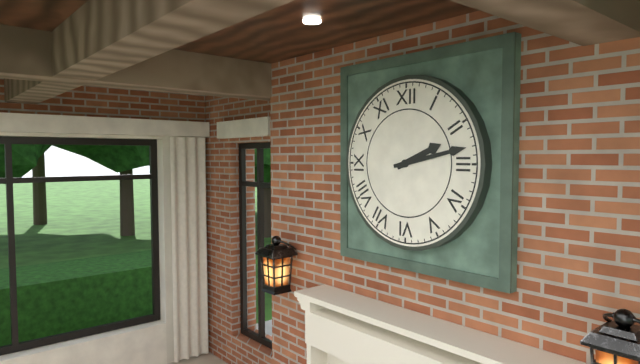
2.13
